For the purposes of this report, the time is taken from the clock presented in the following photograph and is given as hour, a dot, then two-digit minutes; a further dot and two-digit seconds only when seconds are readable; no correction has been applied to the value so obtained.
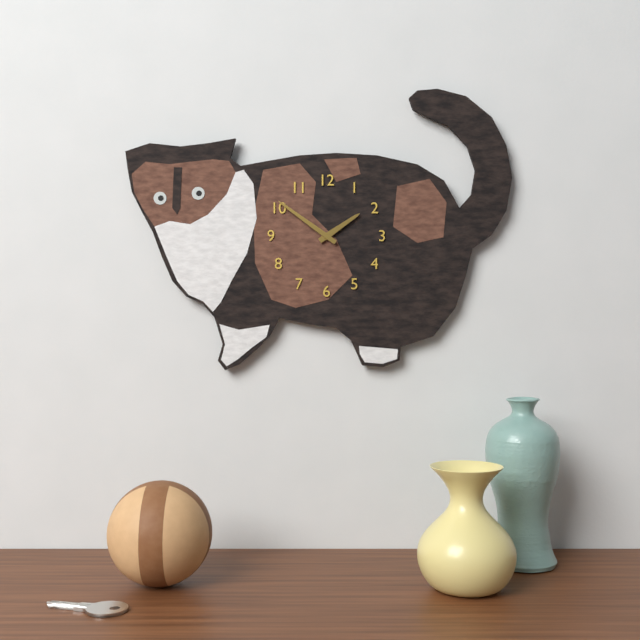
1.51
